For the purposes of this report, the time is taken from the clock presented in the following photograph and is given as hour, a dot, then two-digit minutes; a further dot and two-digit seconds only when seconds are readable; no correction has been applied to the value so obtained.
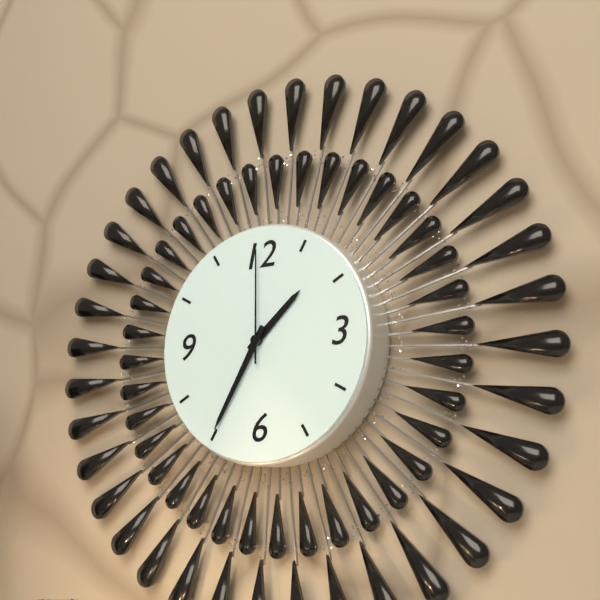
1.35.00
